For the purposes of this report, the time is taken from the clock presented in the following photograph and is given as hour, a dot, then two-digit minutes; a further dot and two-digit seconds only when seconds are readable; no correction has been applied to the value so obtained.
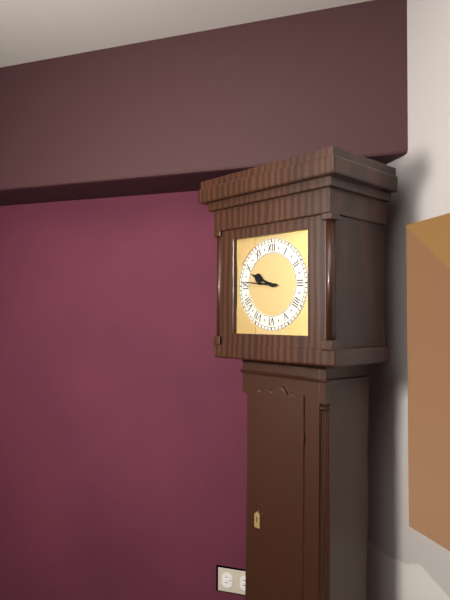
9.46
